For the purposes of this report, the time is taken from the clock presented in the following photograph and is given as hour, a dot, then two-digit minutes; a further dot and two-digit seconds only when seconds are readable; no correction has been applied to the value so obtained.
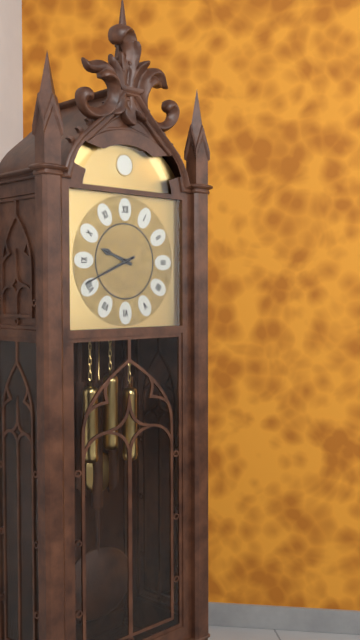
9.41
